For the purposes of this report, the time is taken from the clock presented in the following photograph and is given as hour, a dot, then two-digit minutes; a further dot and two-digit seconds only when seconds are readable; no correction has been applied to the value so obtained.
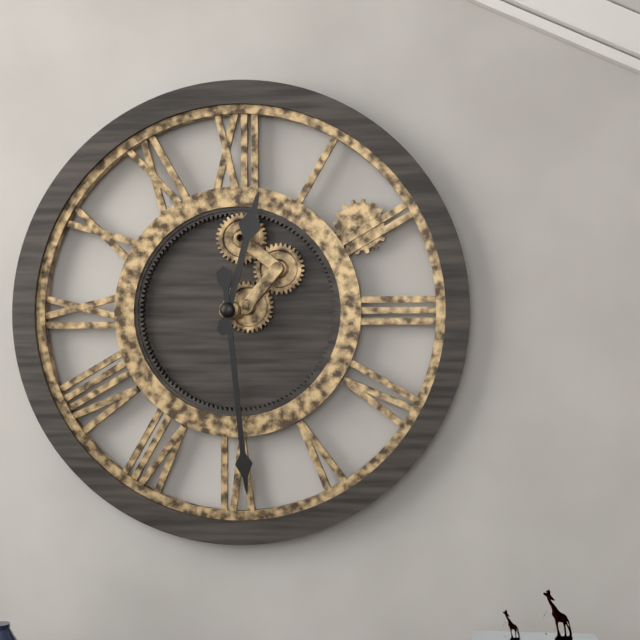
12.29
